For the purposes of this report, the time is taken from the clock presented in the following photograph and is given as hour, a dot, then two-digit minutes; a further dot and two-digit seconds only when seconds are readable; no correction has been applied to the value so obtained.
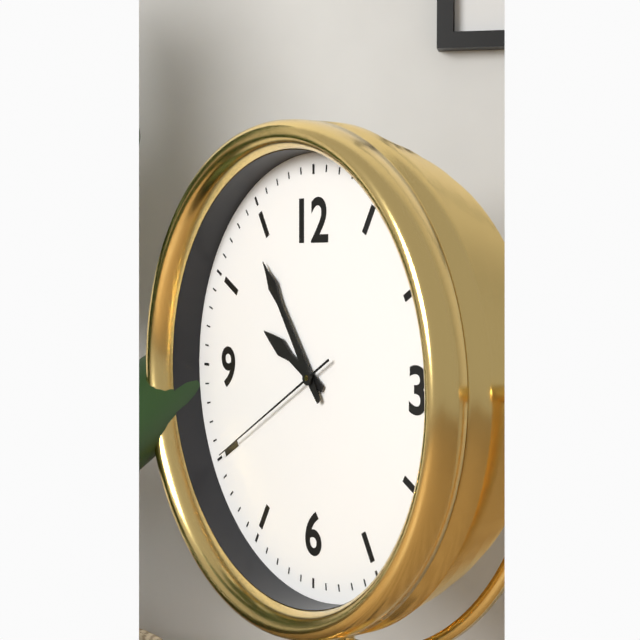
9.54.40
